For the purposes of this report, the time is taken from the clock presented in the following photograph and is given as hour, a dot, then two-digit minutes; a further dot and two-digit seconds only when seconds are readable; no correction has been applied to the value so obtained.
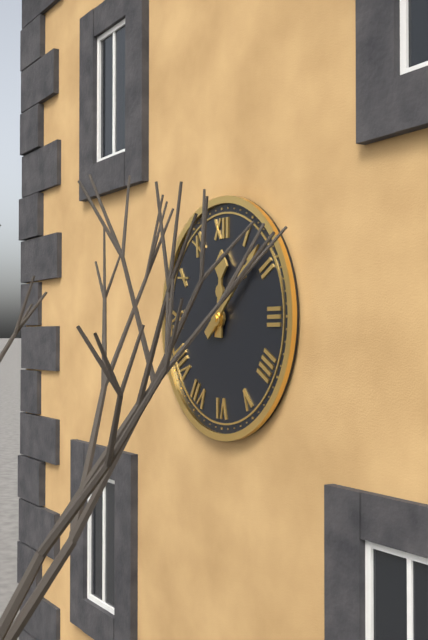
12.08
